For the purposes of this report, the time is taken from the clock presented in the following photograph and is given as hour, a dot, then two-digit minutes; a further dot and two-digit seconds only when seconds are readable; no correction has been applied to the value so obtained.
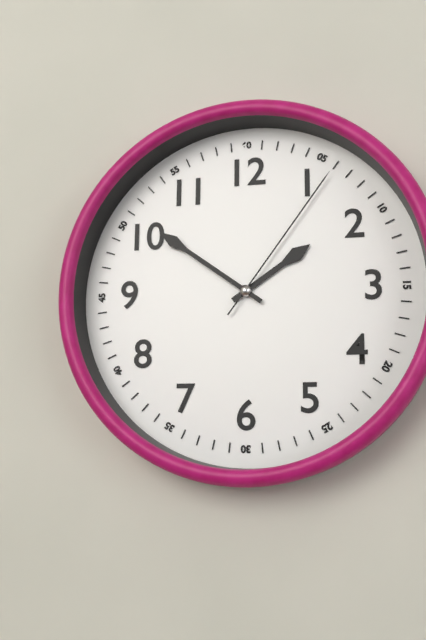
1.51.06
